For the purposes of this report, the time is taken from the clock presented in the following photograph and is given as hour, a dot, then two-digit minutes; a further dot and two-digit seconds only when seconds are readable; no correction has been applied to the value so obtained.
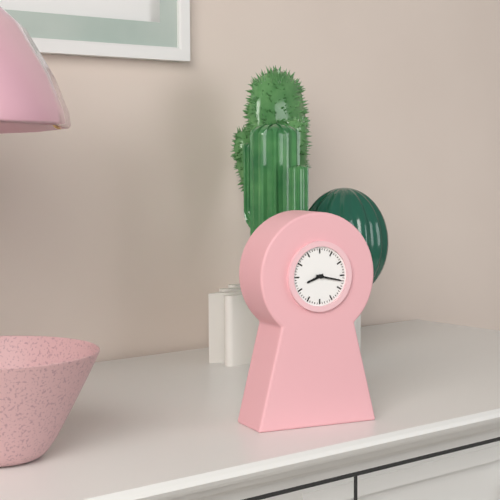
8.17
